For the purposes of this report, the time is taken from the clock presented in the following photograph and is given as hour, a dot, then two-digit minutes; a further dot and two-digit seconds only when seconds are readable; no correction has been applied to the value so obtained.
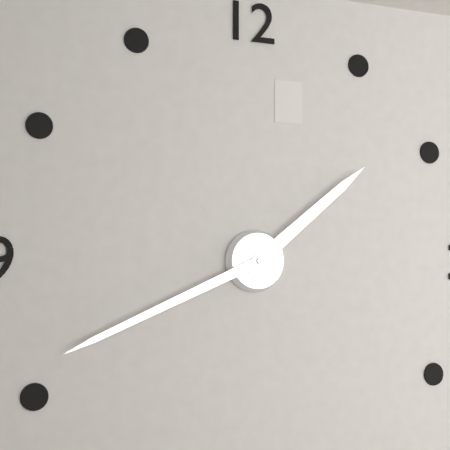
1.41
